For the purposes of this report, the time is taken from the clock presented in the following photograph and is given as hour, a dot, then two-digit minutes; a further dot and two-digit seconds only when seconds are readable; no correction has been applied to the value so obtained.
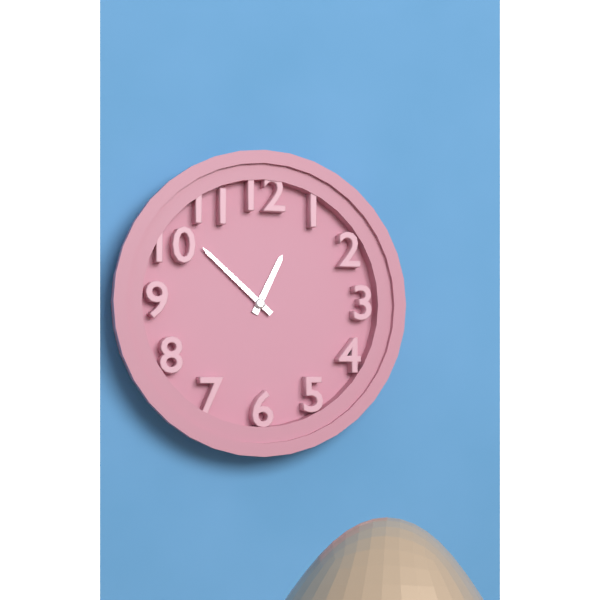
12.52
